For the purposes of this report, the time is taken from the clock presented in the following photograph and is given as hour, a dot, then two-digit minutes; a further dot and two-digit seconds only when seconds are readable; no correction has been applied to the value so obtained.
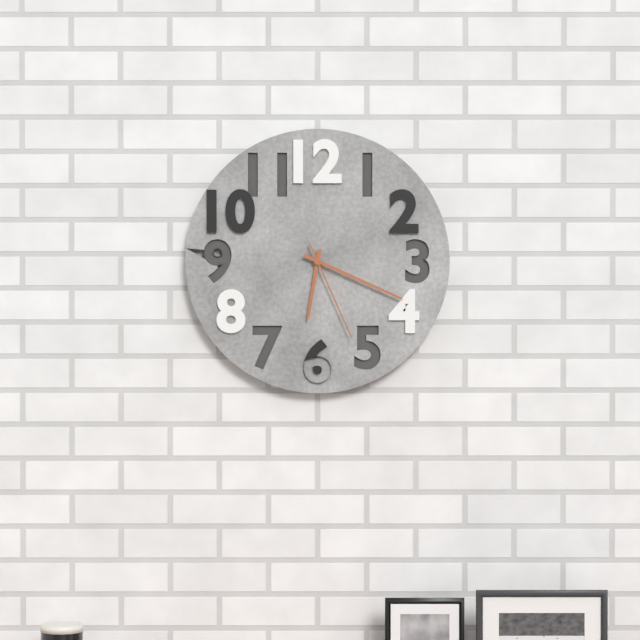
6.19.26
